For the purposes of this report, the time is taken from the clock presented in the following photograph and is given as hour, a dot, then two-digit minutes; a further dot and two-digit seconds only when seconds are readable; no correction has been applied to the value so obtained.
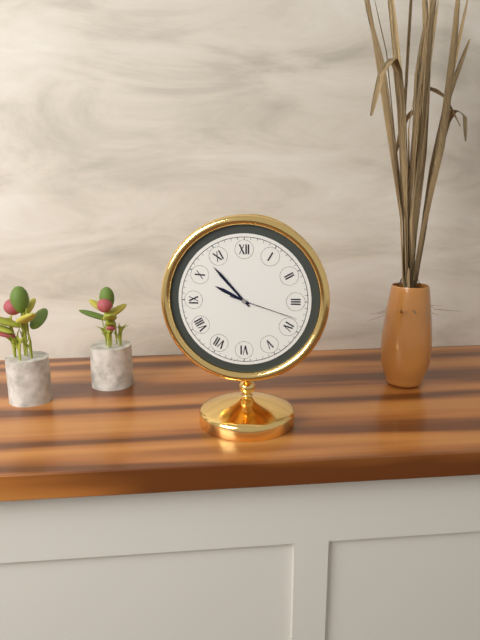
9.53.18
